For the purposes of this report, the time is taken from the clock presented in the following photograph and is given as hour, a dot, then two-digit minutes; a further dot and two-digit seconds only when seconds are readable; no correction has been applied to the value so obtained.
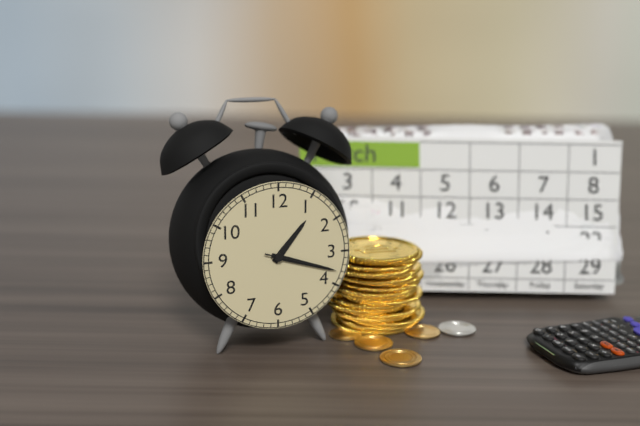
1.18.18
